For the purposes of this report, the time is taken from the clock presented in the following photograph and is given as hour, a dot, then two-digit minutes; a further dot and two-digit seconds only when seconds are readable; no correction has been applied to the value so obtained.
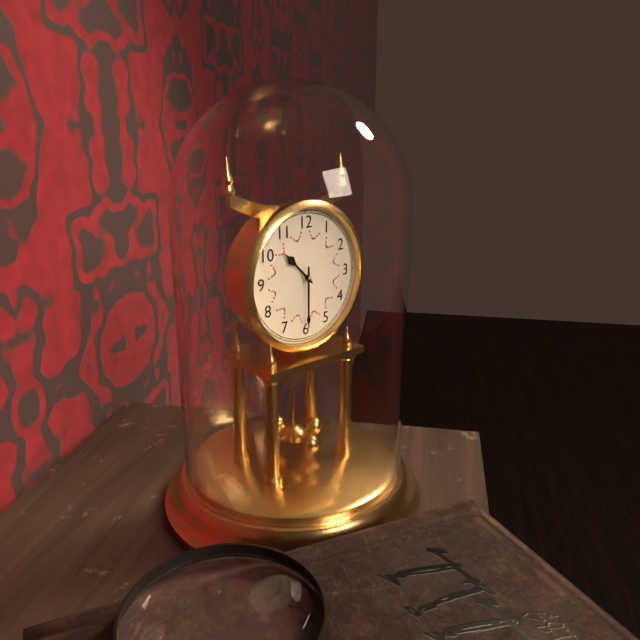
10.30
